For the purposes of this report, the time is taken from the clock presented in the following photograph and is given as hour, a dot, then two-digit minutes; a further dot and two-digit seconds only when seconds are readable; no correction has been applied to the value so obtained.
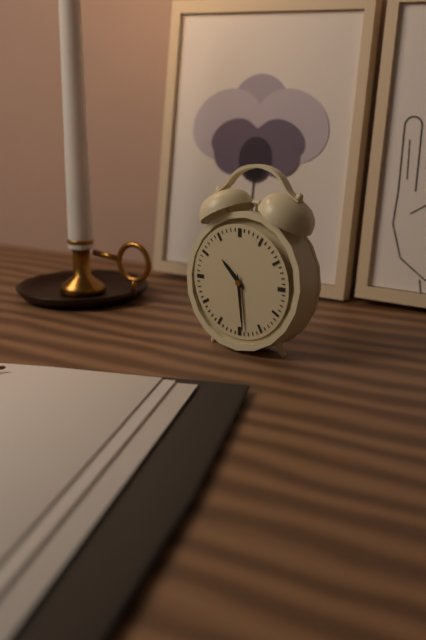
10.29
